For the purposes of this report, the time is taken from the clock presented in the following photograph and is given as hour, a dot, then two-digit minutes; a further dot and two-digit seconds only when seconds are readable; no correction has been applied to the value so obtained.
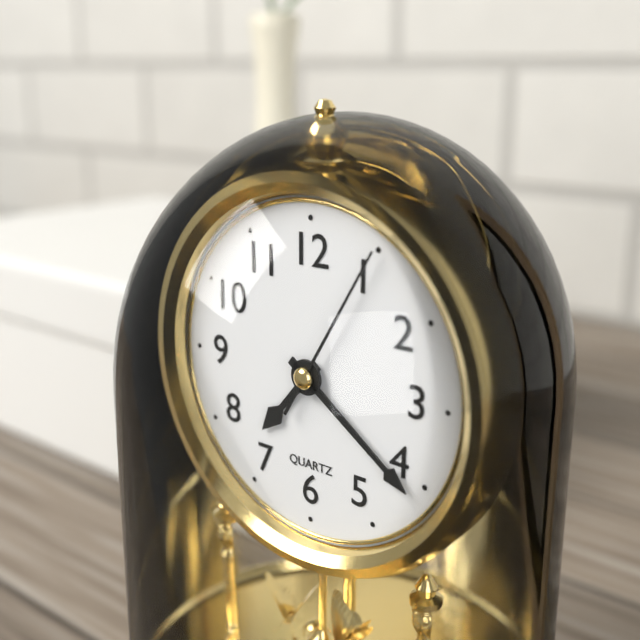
7.21.05
